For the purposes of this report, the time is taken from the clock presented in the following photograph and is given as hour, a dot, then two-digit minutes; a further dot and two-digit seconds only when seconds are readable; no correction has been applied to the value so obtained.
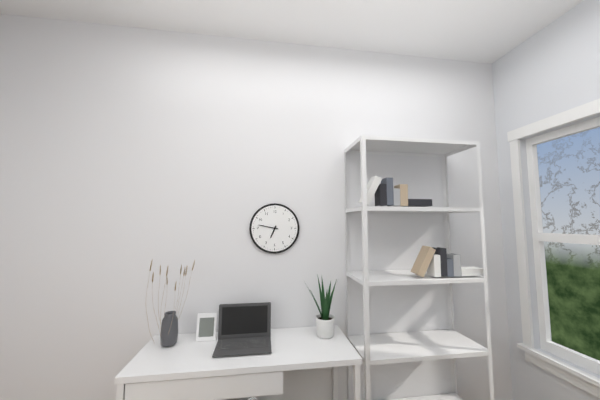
6.47
